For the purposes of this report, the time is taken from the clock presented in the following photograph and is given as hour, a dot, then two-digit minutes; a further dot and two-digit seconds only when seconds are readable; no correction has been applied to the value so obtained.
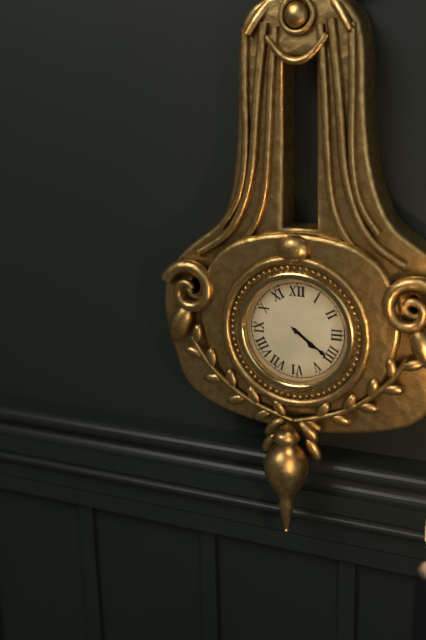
4.21
